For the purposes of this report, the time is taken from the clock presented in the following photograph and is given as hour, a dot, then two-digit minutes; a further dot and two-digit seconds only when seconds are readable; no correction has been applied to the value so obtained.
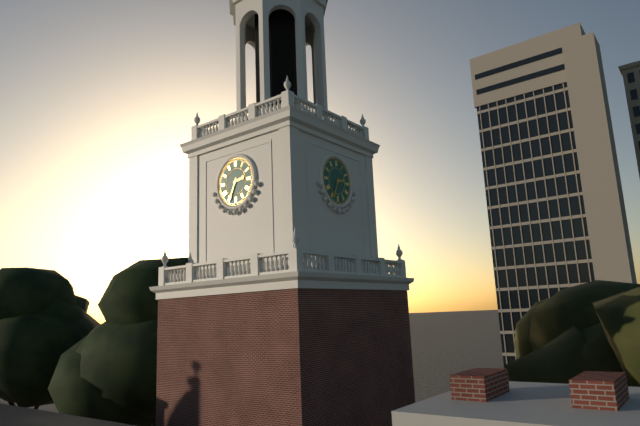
2.34
